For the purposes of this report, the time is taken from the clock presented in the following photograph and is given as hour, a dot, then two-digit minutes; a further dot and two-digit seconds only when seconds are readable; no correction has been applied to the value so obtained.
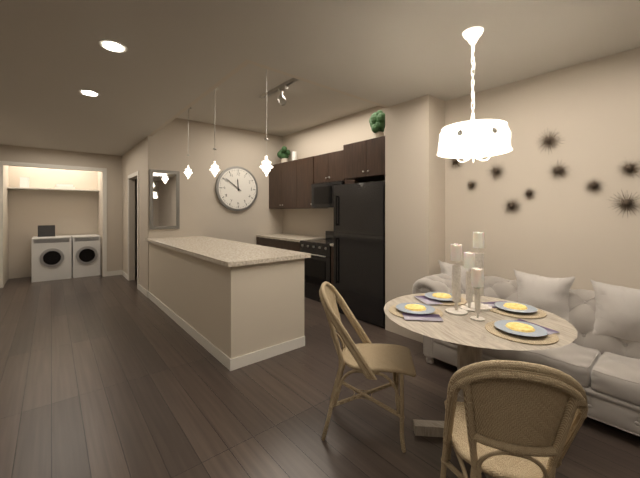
11.51
